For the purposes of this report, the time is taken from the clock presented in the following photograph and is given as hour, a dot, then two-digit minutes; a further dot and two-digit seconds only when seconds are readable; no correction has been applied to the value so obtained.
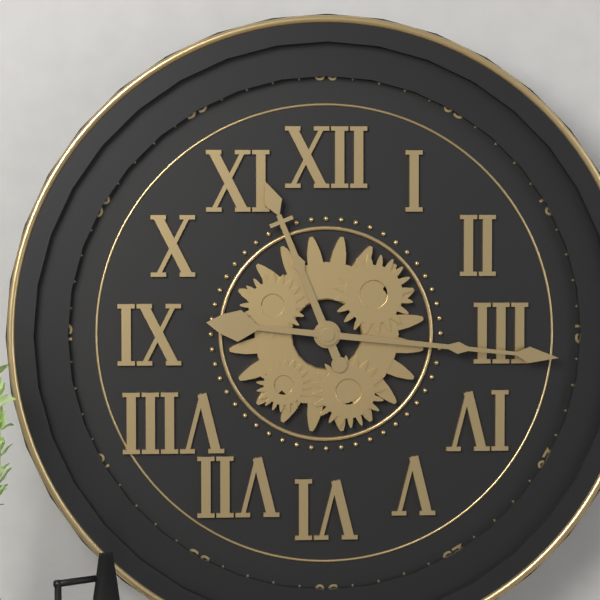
11.16
